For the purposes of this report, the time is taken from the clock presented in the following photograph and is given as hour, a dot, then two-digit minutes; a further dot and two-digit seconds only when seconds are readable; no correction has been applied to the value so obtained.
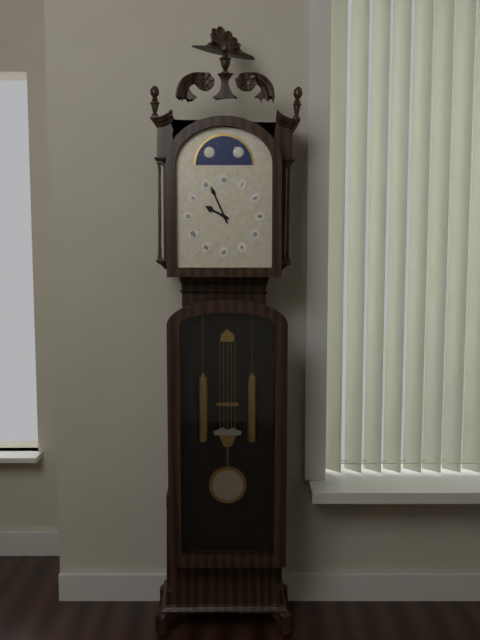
9.56
